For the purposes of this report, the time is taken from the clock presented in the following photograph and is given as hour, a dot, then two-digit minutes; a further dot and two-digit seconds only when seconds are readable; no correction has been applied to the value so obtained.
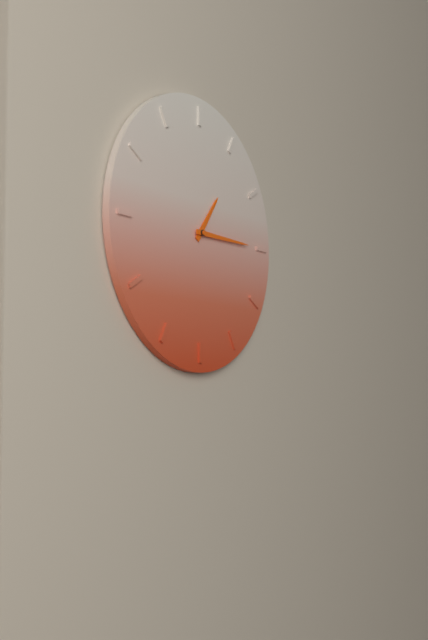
1.15
